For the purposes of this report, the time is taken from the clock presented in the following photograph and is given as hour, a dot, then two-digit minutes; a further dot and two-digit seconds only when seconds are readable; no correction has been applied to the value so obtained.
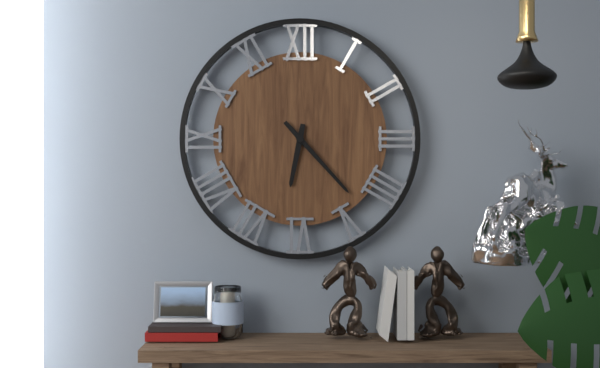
6.23
